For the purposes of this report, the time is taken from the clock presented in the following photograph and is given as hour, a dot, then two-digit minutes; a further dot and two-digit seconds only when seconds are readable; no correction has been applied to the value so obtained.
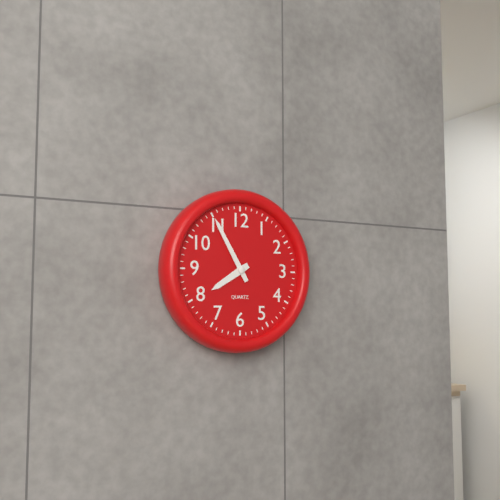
7.55
